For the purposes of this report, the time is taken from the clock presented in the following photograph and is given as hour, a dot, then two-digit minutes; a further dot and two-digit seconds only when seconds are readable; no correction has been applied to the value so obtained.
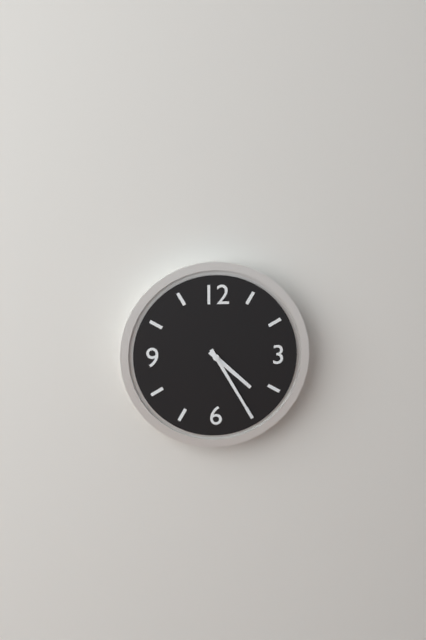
4.25
